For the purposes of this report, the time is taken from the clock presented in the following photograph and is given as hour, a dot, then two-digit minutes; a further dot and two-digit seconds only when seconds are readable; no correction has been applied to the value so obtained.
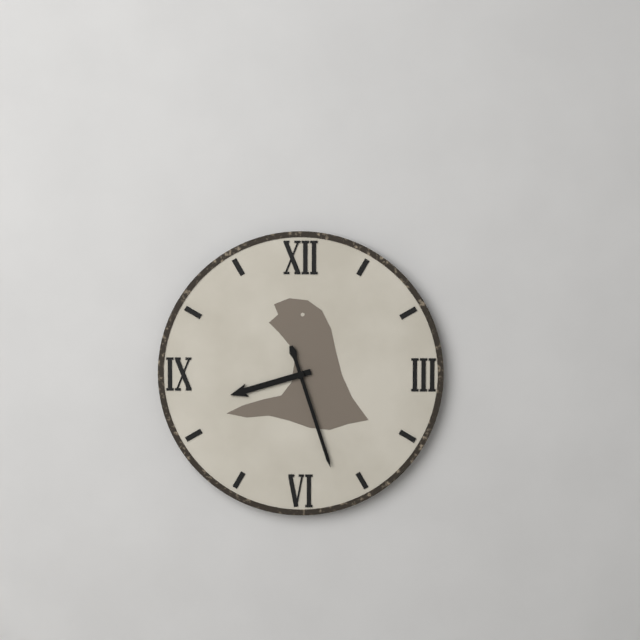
8.27
